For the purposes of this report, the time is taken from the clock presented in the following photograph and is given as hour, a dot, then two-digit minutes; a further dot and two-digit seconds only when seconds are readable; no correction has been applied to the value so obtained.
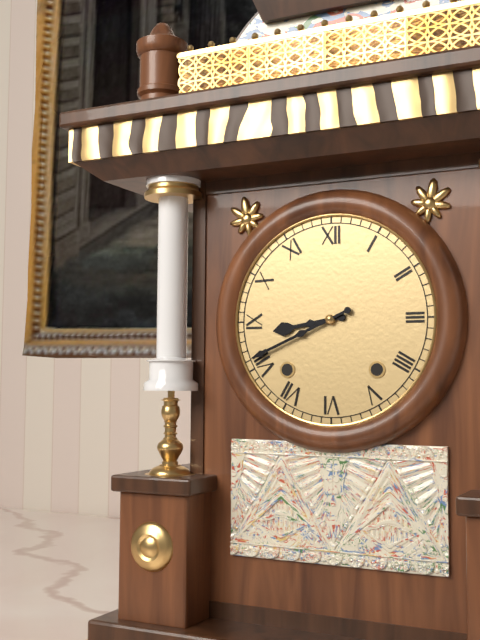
8.41
